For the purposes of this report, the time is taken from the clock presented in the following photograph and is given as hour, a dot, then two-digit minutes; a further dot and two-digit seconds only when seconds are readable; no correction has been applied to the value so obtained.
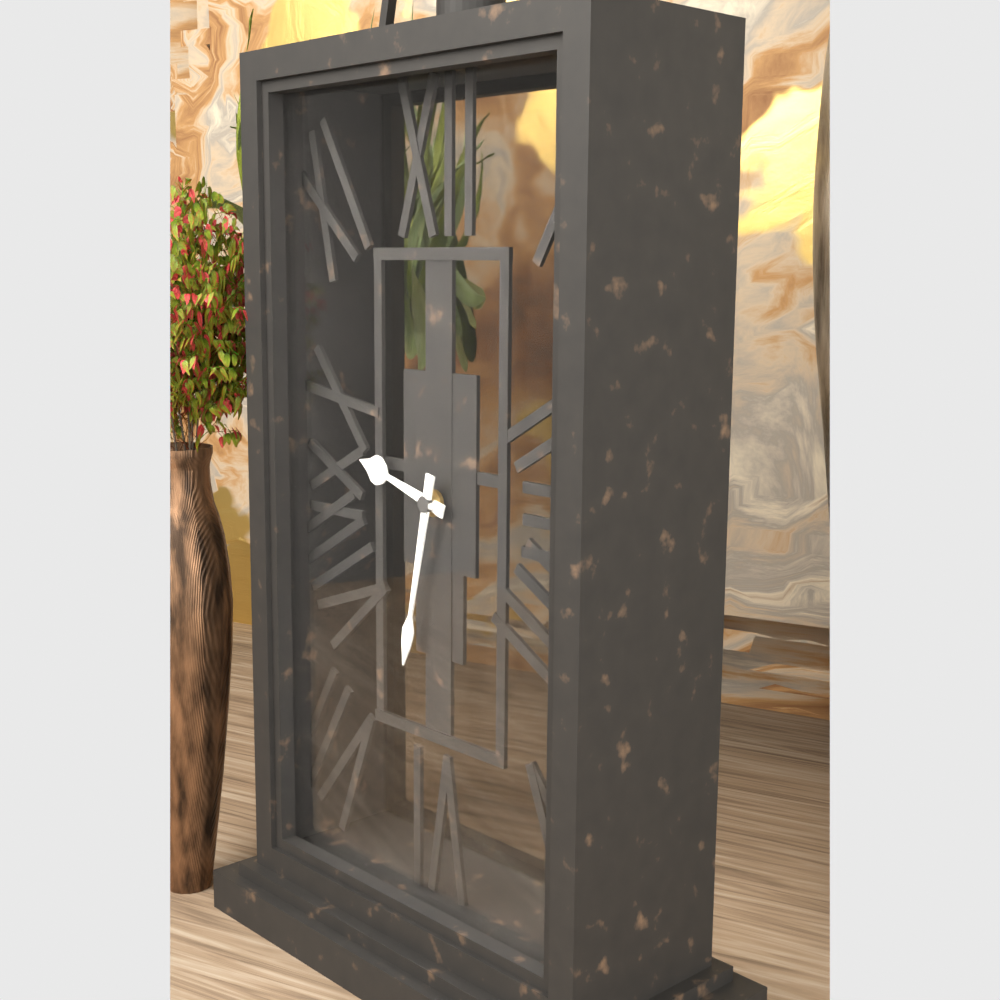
9.32
